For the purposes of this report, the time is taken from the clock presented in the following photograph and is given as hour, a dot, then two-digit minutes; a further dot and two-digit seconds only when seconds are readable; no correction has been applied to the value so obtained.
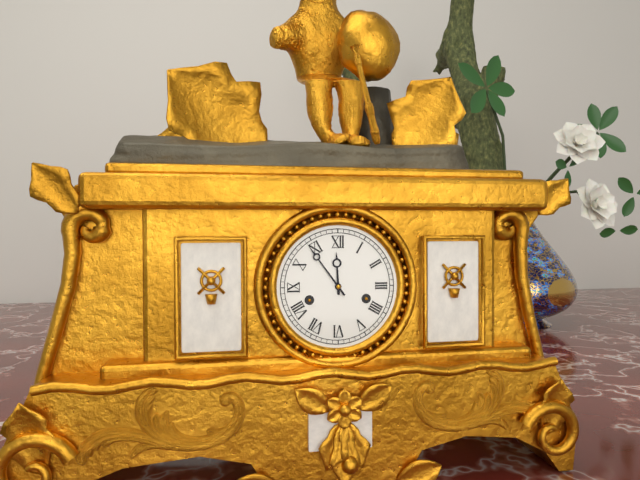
11.54
